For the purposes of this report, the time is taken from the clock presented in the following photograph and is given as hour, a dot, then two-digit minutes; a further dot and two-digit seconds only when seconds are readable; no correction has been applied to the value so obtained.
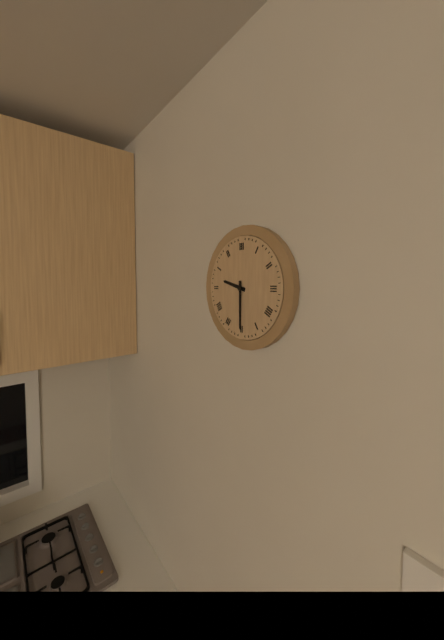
9.30
